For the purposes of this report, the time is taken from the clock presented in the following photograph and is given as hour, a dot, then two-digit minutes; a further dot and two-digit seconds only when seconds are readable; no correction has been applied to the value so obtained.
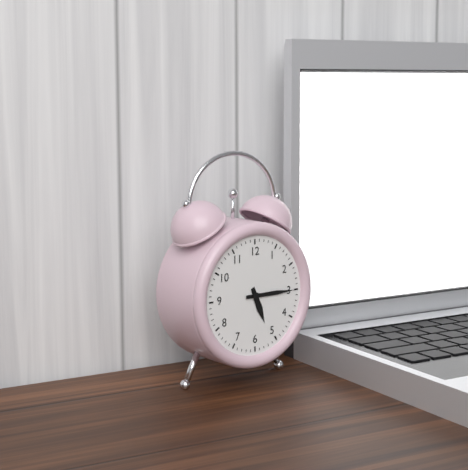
5.15
